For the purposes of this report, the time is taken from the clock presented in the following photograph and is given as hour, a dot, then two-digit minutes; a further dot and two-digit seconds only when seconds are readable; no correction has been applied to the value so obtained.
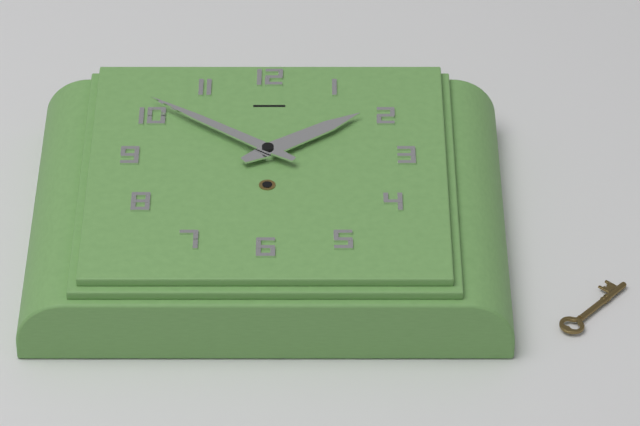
1.51
